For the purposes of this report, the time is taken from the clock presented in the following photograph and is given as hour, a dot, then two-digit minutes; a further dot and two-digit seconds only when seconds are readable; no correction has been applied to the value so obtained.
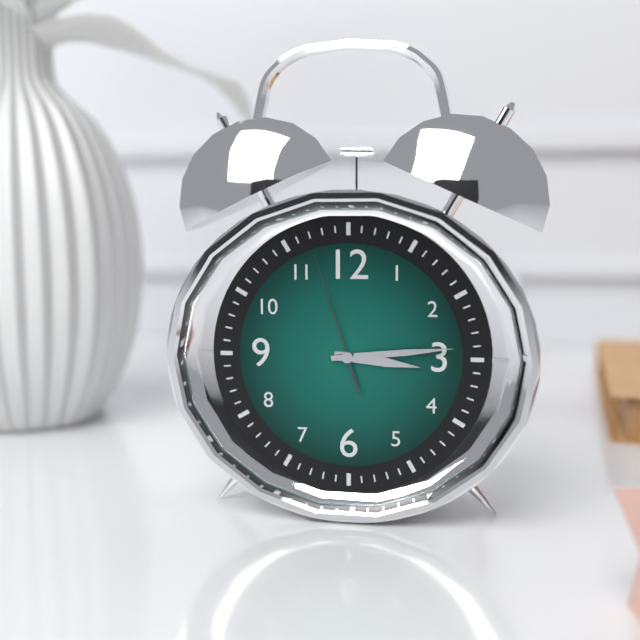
3.14.57
